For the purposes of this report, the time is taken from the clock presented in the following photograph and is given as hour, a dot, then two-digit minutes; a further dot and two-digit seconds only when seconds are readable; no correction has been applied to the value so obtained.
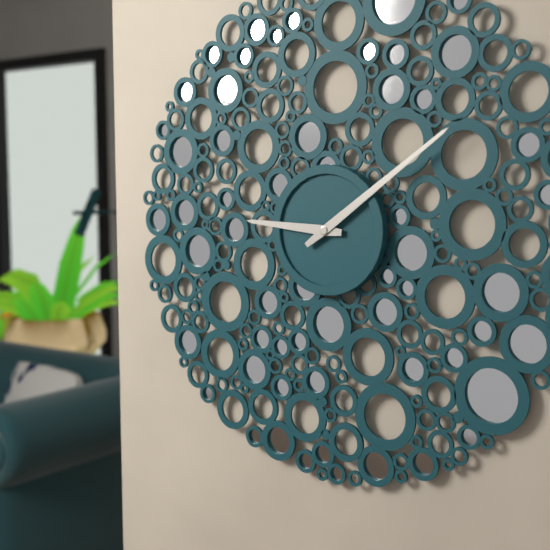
9.09
